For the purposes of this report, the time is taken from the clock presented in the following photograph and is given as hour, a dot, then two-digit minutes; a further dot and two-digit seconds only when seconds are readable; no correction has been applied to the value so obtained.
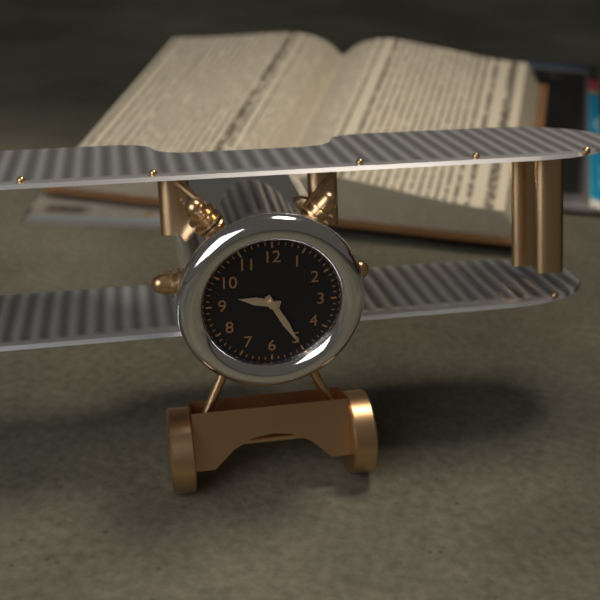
9.25
